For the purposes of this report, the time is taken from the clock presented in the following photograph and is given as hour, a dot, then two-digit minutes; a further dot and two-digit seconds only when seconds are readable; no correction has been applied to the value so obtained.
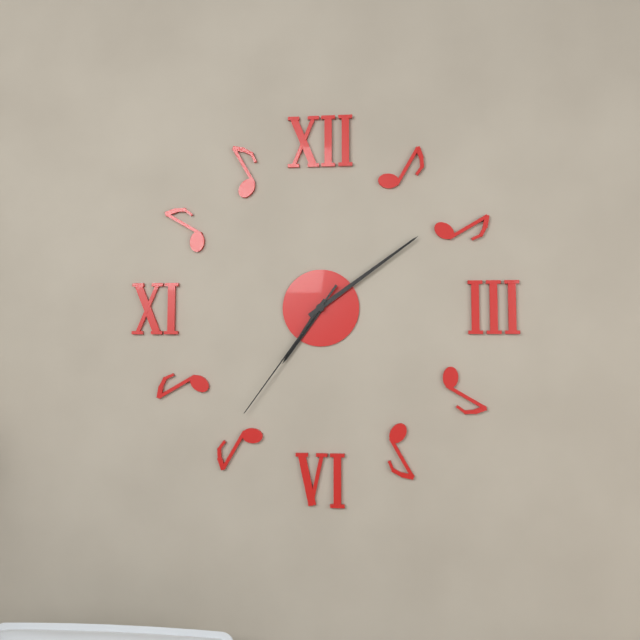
7.09.36
